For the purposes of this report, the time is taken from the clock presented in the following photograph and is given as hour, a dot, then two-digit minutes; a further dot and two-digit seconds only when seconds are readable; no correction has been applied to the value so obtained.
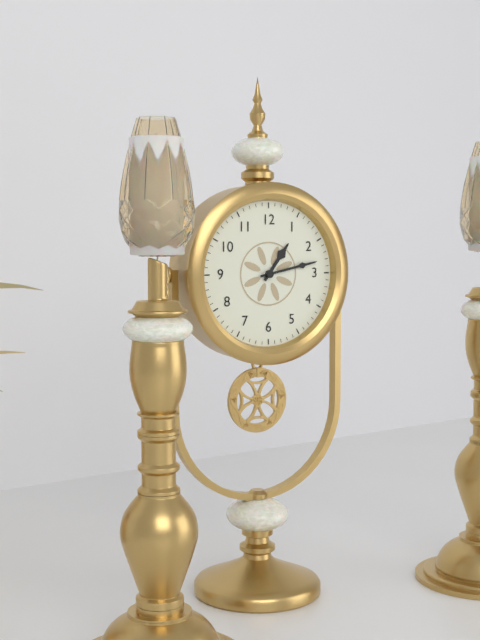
1.13
